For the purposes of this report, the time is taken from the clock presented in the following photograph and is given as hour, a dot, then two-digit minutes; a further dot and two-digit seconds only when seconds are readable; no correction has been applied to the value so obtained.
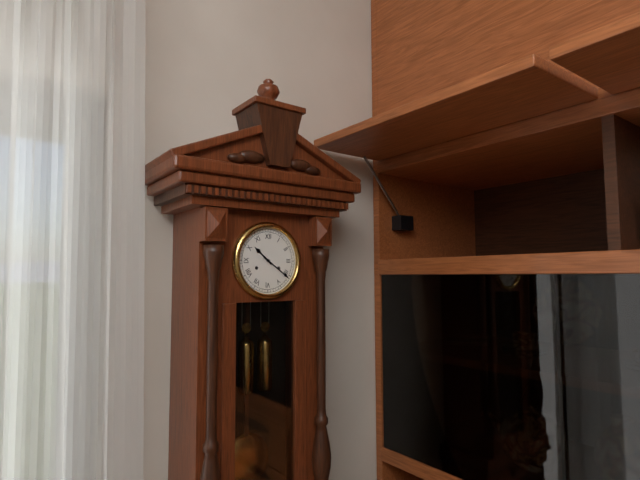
10.21
